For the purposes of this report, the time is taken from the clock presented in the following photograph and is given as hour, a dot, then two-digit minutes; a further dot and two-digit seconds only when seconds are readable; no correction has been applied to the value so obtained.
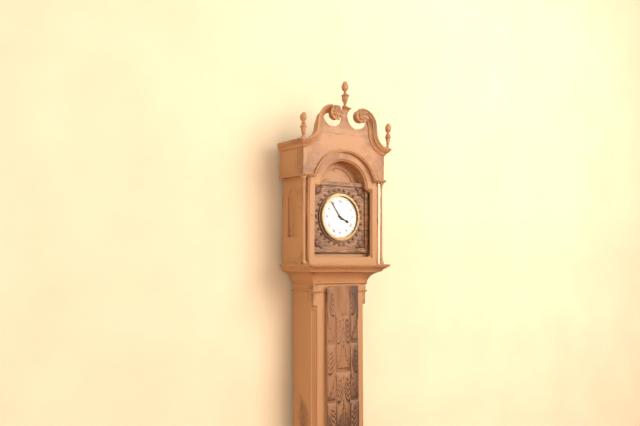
3.54
